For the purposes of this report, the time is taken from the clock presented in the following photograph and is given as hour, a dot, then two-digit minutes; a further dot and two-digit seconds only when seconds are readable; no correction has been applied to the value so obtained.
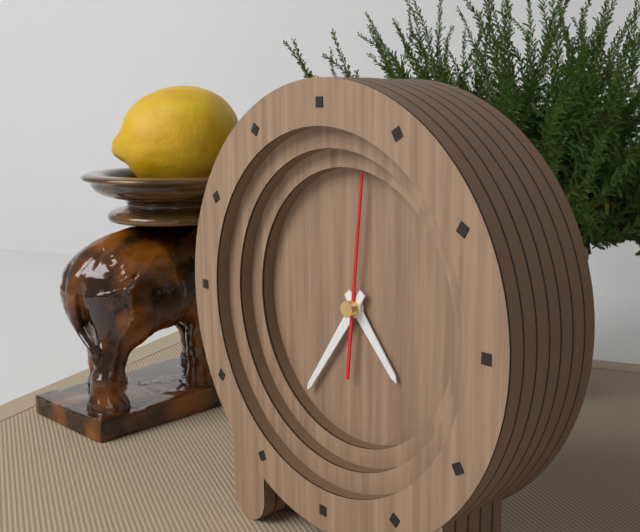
4.36.01
